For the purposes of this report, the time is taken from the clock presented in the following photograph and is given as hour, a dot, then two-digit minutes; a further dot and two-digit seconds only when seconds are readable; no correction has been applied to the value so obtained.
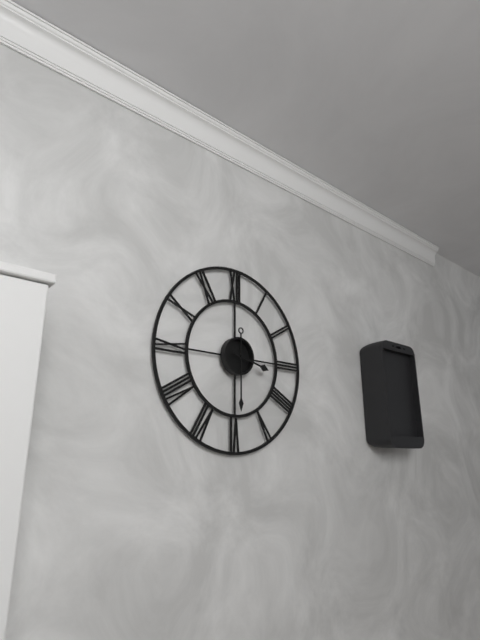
3.30
